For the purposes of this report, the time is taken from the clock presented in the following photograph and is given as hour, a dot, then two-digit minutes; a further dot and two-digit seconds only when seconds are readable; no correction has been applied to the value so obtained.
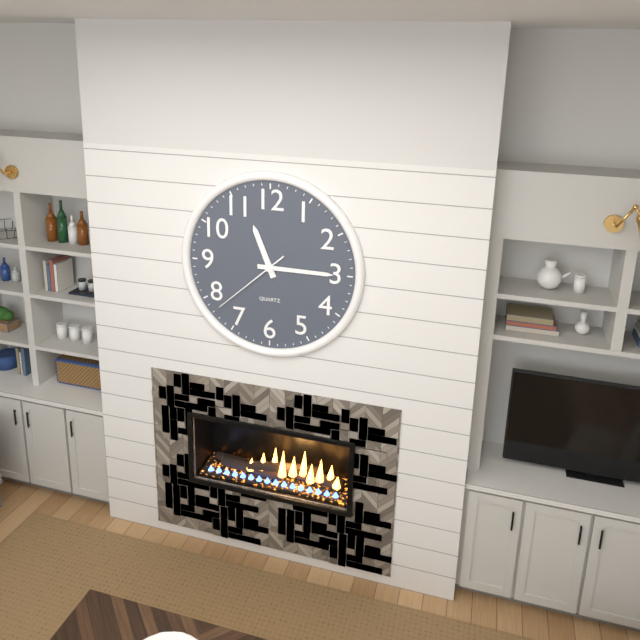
11.15.38
